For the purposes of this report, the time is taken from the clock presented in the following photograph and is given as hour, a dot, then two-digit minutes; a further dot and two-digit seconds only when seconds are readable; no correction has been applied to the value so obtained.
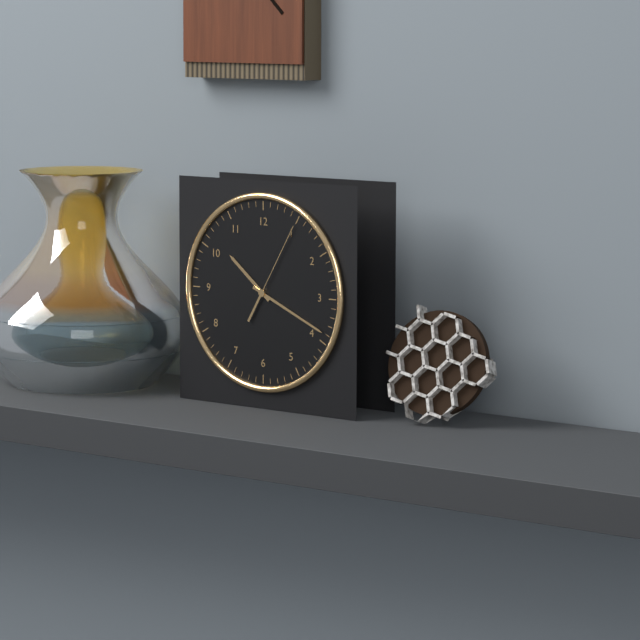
10.19.05
